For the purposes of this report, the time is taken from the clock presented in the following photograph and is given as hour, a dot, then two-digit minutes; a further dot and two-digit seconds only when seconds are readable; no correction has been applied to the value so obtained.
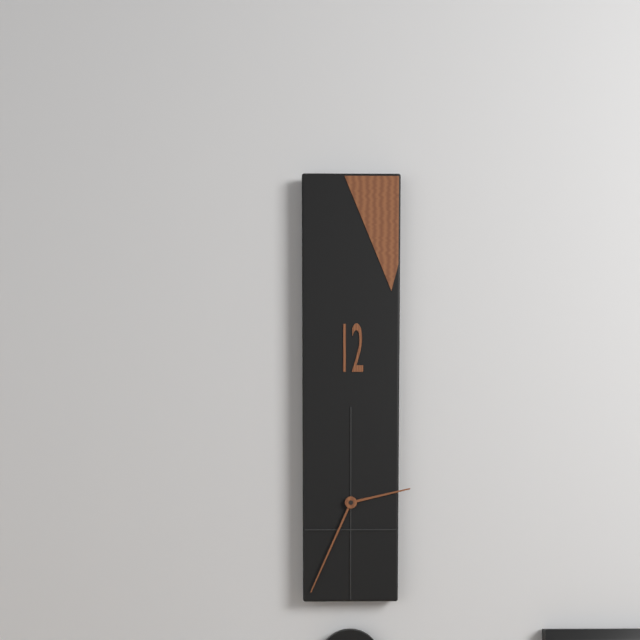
2.34
